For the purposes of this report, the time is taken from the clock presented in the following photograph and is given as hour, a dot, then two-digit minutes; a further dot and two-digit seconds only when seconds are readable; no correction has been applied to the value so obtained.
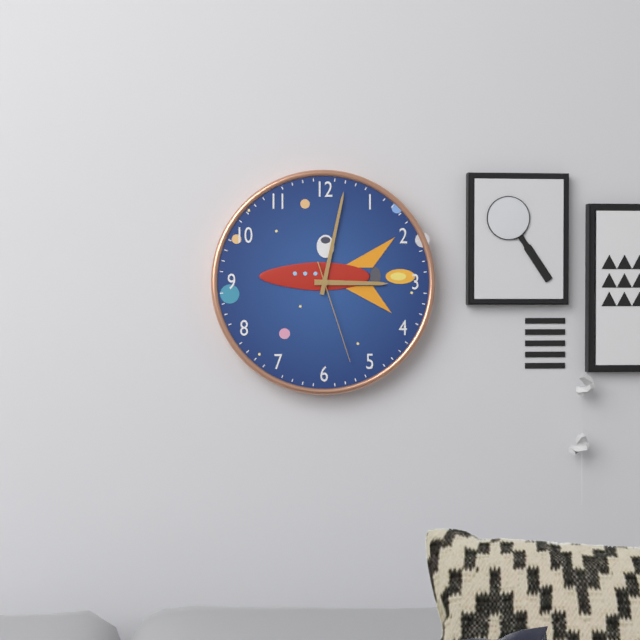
3.02.27
